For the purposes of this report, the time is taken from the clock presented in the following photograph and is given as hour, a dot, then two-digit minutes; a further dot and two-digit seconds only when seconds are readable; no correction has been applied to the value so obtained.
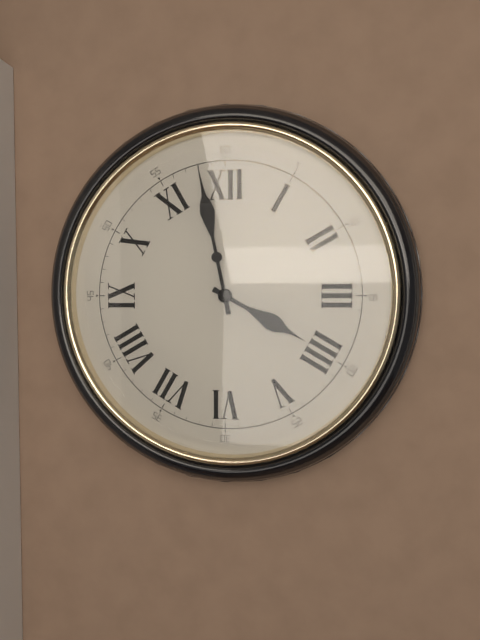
3.58
